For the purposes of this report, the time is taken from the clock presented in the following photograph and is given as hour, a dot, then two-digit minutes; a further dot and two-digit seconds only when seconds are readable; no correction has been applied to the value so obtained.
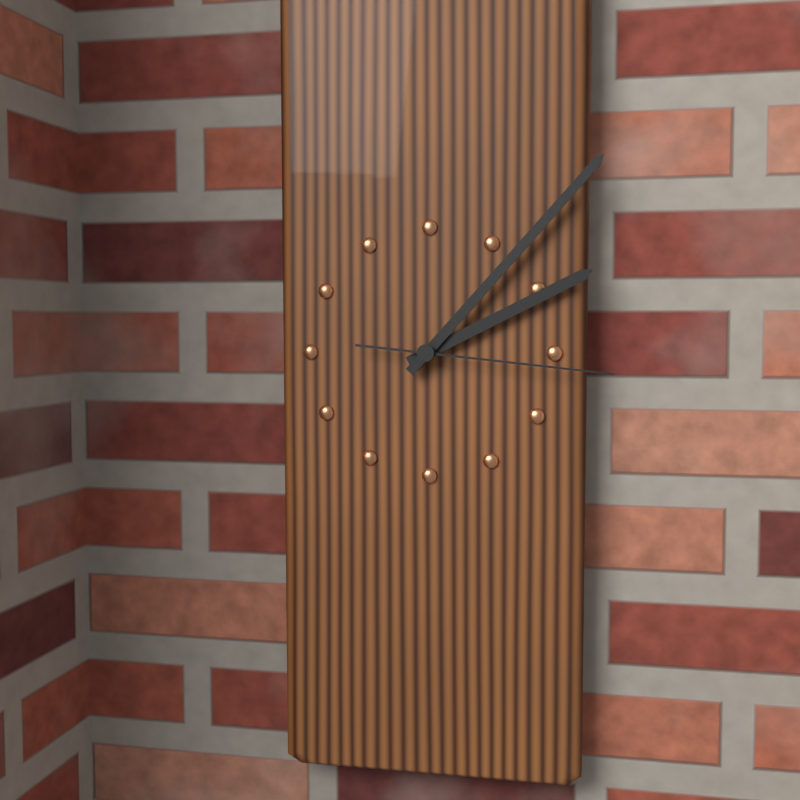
2.07.16
